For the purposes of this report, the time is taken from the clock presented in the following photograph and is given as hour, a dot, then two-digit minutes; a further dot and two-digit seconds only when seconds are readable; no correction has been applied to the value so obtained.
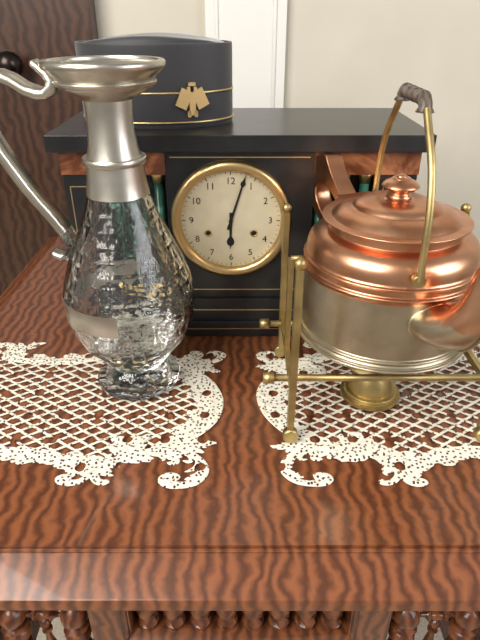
6.03
